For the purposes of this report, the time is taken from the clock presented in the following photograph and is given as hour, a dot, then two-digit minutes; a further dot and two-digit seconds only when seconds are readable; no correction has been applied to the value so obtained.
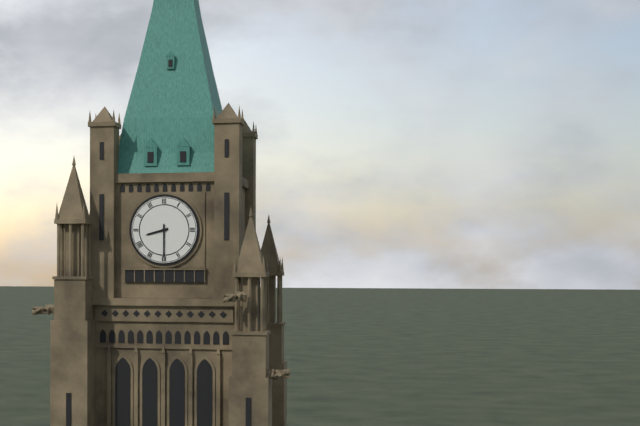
8.30
